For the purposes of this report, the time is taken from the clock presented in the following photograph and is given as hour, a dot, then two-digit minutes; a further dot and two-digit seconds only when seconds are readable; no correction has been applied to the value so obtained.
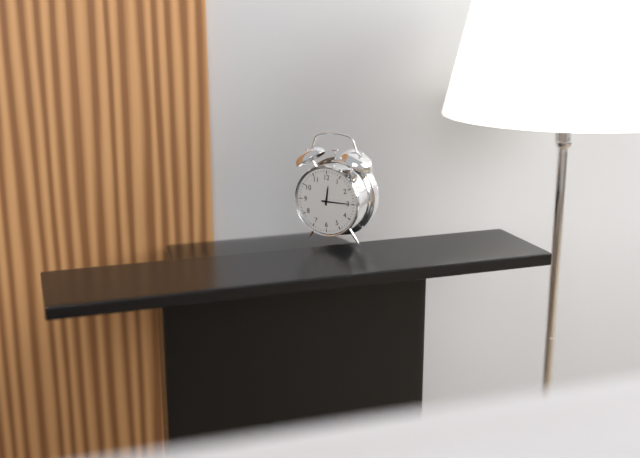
12.15
